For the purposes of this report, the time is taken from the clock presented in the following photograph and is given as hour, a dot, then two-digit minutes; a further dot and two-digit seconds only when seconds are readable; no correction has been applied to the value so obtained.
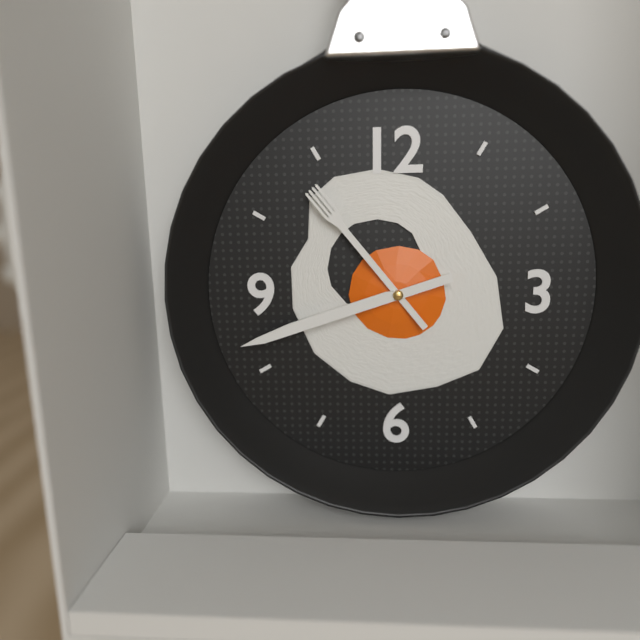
10.42
